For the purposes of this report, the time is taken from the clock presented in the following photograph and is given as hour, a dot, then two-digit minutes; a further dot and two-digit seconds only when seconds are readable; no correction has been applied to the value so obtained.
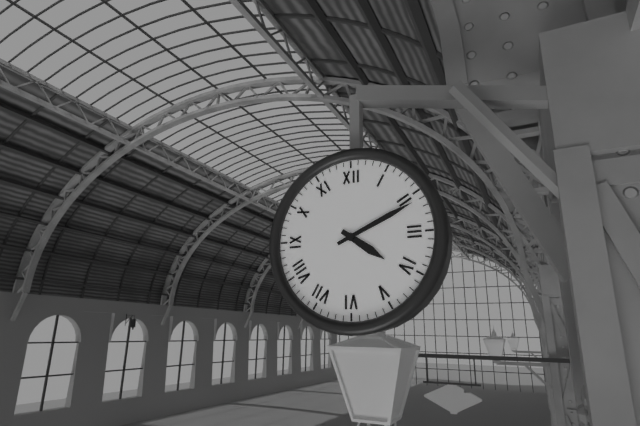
4.11
